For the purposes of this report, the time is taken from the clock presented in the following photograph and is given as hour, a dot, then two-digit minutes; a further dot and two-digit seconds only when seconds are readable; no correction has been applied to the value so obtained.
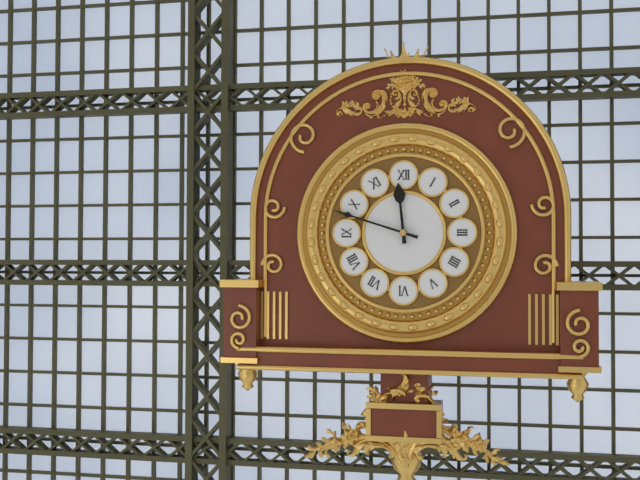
11.48
